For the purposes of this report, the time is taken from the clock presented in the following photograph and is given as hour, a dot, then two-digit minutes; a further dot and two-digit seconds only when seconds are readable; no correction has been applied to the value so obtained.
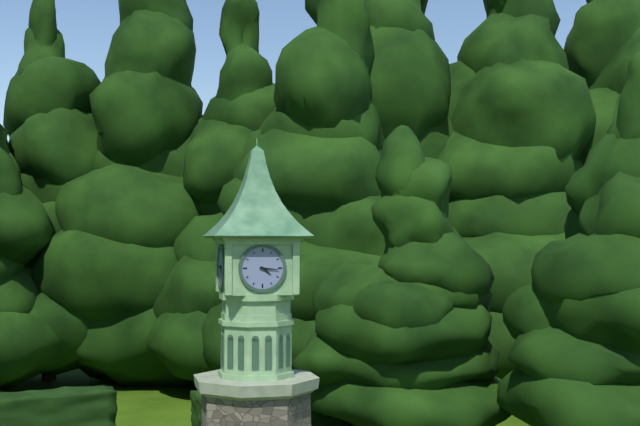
4.16
